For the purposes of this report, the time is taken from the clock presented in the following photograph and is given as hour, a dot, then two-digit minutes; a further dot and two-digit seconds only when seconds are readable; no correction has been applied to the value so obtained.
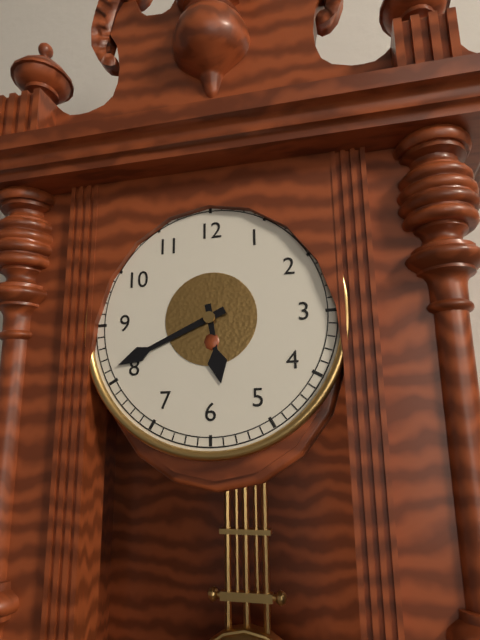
5.41
